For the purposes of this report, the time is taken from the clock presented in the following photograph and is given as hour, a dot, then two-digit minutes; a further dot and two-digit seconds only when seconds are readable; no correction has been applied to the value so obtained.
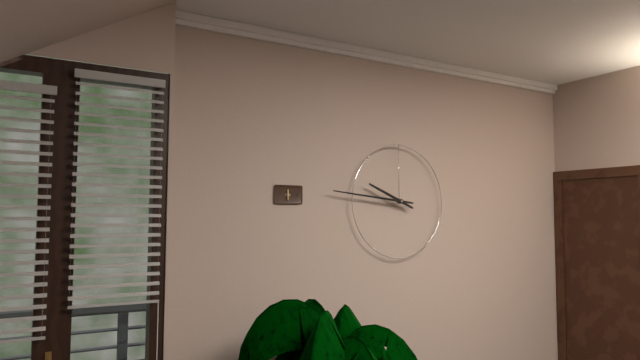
9.46
